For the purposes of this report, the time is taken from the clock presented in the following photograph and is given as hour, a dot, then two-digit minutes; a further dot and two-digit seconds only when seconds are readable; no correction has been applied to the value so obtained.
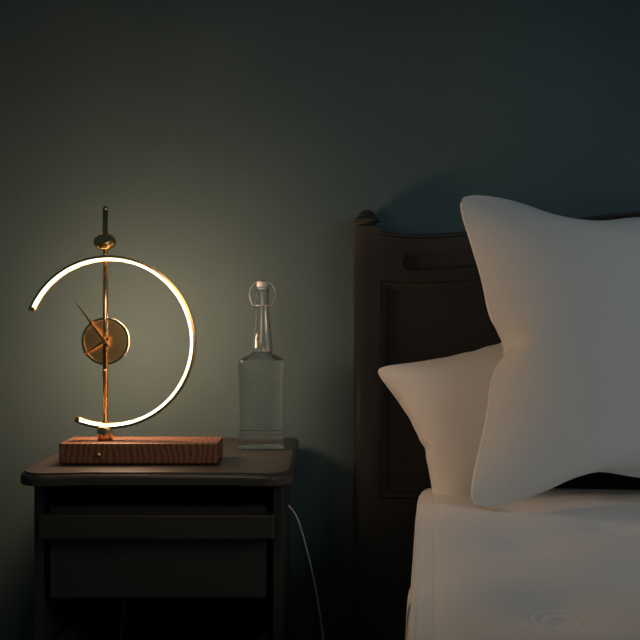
7.54
